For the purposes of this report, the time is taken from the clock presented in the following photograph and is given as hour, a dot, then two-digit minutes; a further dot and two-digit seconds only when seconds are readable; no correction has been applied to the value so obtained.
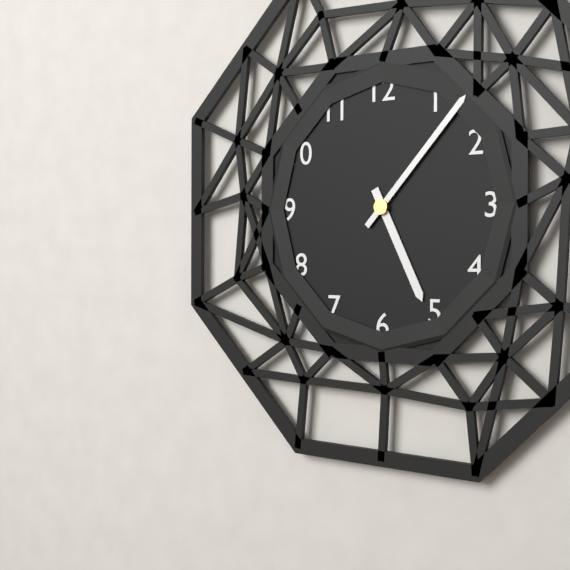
5.07
